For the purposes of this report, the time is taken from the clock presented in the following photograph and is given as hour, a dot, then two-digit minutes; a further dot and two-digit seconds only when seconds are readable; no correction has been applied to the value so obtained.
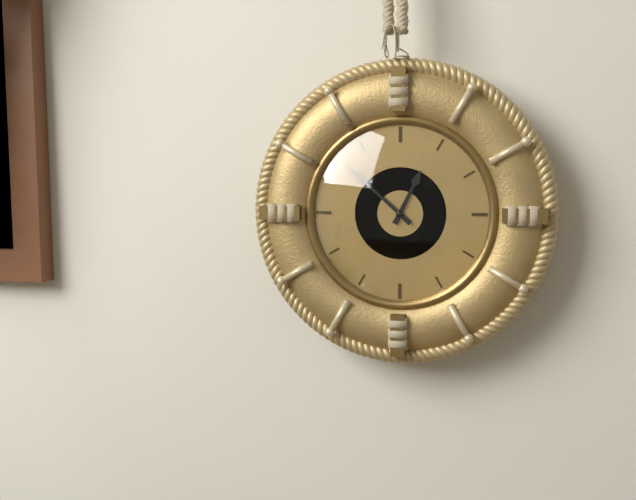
12.52
